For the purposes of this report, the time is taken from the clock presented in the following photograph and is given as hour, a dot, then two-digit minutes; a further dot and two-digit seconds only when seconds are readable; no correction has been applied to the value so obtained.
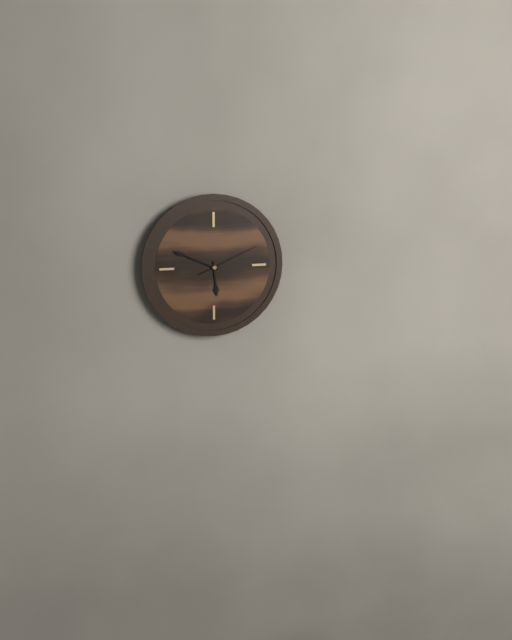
5.49.11
